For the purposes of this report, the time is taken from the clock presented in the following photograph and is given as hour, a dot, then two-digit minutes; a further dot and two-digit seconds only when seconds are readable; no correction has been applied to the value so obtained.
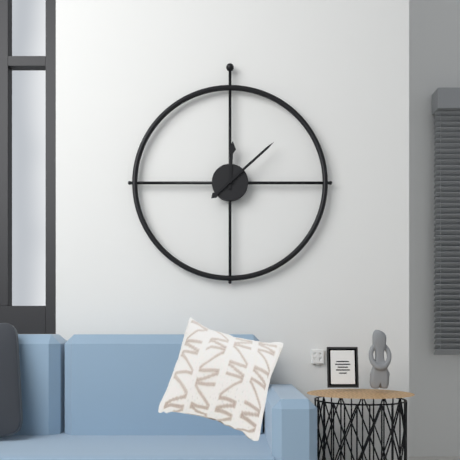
12.08
